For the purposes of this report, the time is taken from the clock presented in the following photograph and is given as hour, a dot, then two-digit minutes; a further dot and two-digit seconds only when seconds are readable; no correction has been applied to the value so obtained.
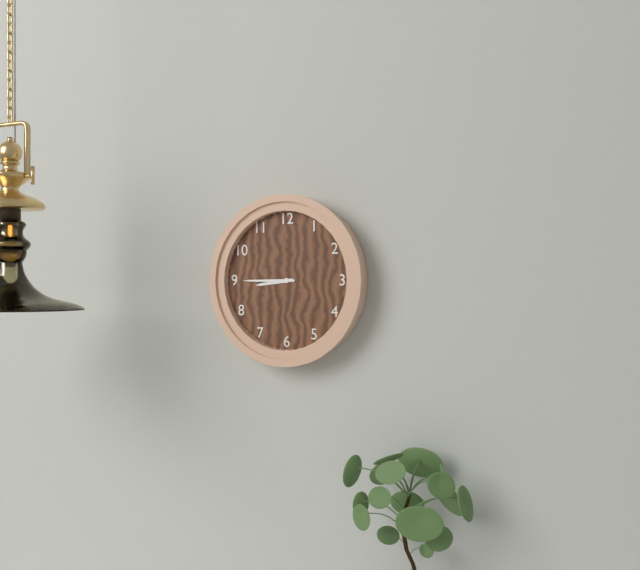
8.45
